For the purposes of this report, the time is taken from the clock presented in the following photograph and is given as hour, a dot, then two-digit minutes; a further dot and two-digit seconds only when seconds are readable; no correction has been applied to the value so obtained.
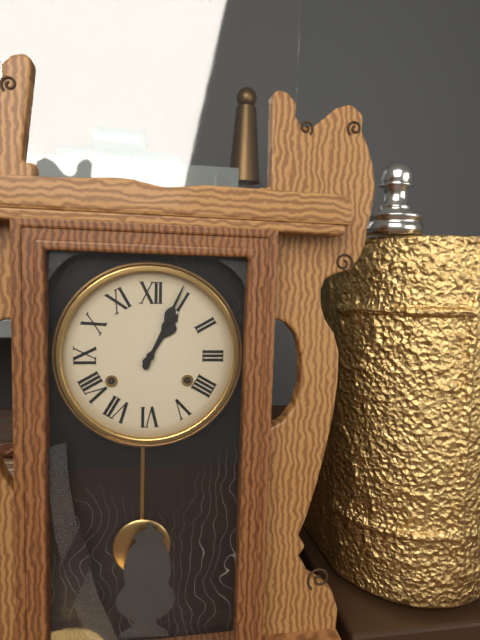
1.04
